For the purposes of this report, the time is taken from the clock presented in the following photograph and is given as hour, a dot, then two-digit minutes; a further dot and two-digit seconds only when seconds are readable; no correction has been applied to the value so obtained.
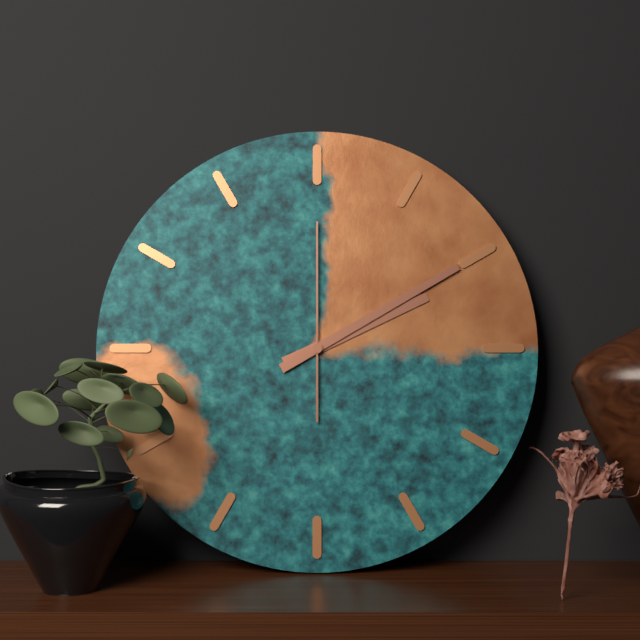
2.10.00
